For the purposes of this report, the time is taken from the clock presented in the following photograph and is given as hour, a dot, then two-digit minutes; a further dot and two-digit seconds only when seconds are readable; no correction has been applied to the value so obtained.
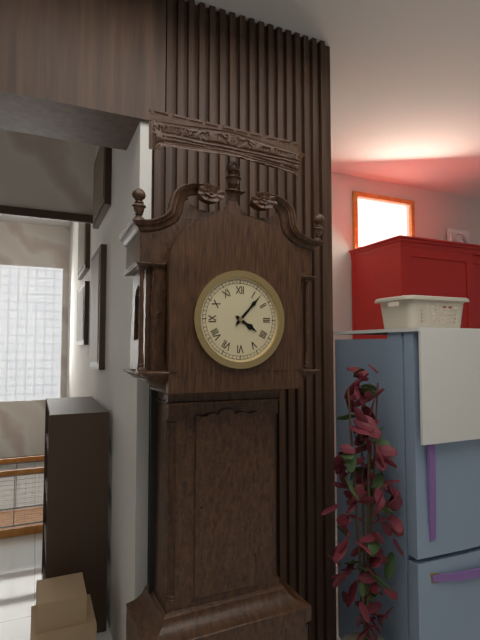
4.07
